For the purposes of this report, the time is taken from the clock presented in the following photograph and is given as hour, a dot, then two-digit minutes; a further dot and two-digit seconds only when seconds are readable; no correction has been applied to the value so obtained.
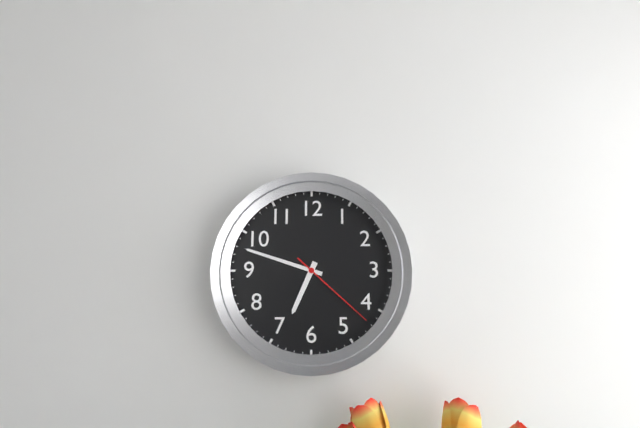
6.48.22
